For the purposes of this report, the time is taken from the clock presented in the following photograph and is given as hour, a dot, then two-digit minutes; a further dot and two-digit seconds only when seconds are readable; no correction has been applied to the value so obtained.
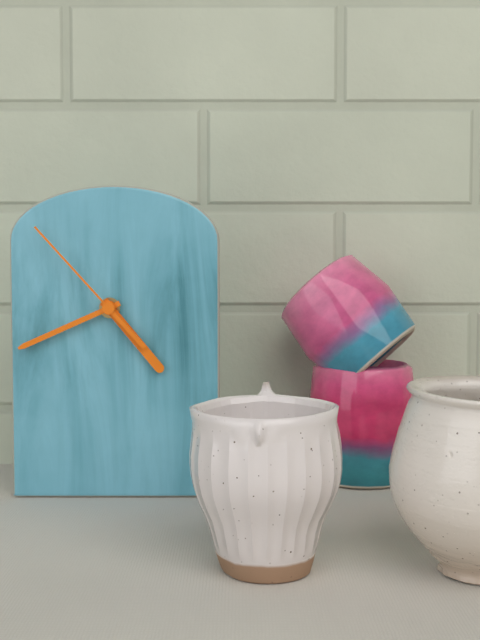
4.41.53
